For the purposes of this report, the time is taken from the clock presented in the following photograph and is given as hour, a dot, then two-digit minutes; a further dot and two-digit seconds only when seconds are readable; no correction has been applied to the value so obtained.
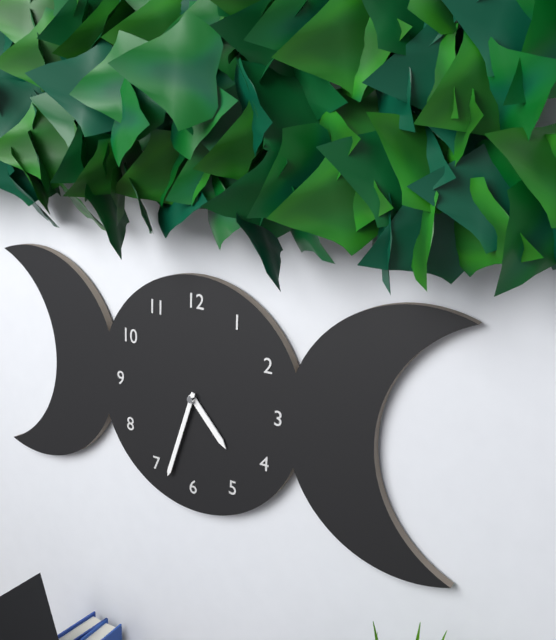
4.33
